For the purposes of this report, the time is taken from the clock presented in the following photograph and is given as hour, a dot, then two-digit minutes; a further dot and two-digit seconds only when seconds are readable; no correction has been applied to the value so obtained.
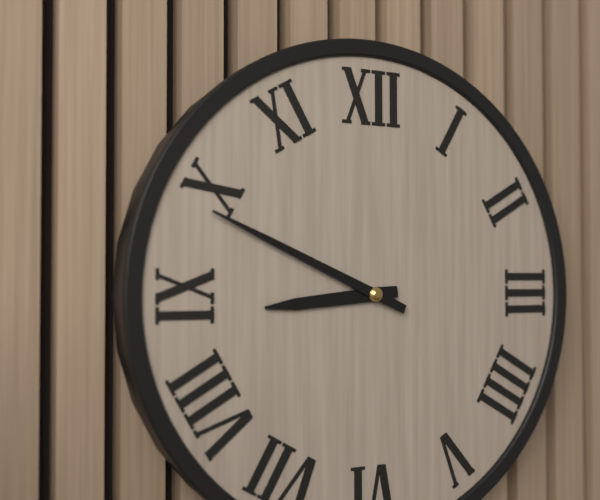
8.49
